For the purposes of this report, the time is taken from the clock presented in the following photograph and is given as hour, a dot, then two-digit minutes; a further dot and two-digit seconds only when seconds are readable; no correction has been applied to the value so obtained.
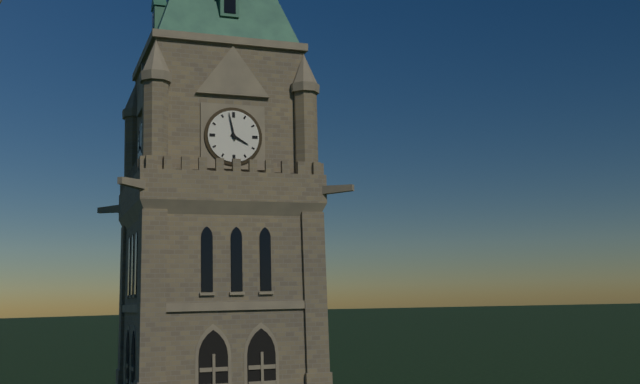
3.58
